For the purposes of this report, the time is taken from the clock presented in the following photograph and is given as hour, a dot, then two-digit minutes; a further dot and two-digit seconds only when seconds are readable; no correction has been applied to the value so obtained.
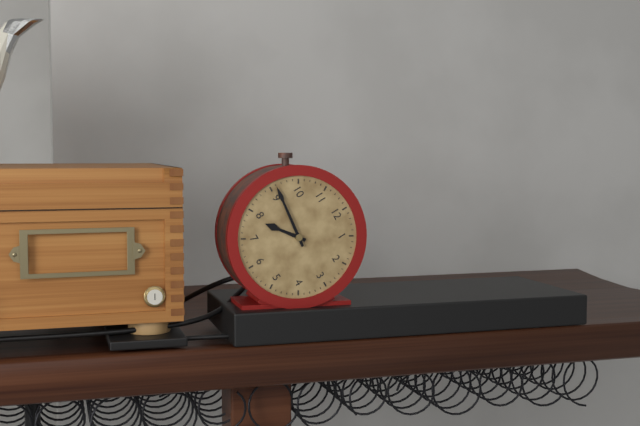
7.46
